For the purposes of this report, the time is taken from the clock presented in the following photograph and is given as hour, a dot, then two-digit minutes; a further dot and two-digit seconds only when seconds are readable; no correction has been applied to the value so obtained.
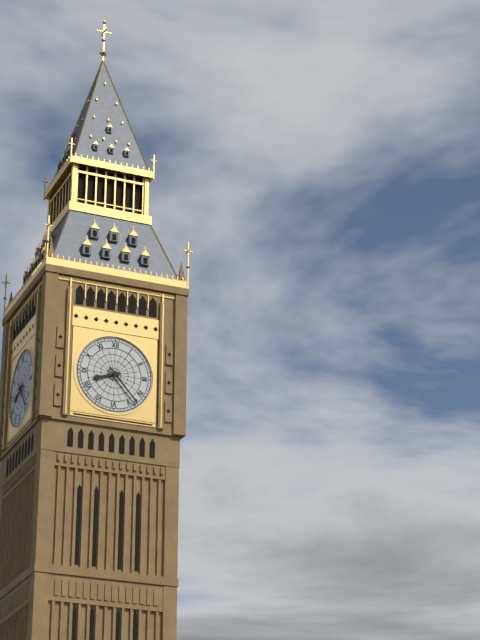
8.23
